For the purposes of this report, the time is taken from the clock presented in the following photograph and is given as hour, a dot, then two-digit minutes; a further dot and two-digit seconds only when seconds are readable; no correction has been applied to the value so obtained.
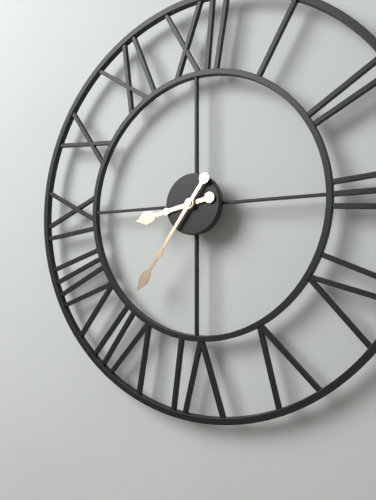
8.36
